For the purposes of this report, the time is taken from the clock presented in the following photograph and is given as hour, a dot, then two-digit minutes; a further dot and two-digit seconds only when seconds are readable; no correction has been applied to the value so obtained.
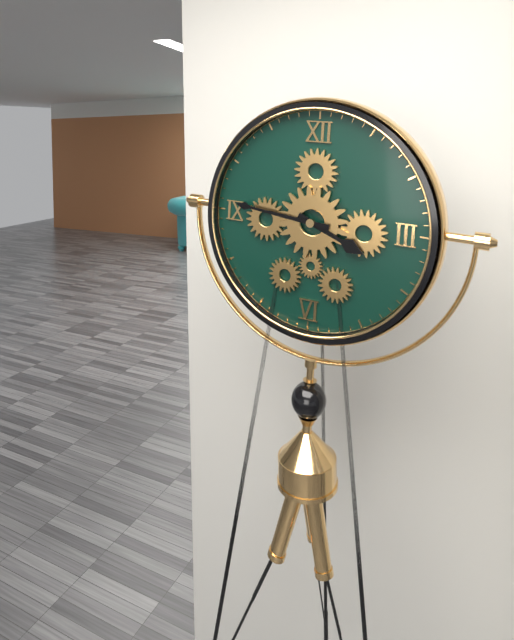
3.46
